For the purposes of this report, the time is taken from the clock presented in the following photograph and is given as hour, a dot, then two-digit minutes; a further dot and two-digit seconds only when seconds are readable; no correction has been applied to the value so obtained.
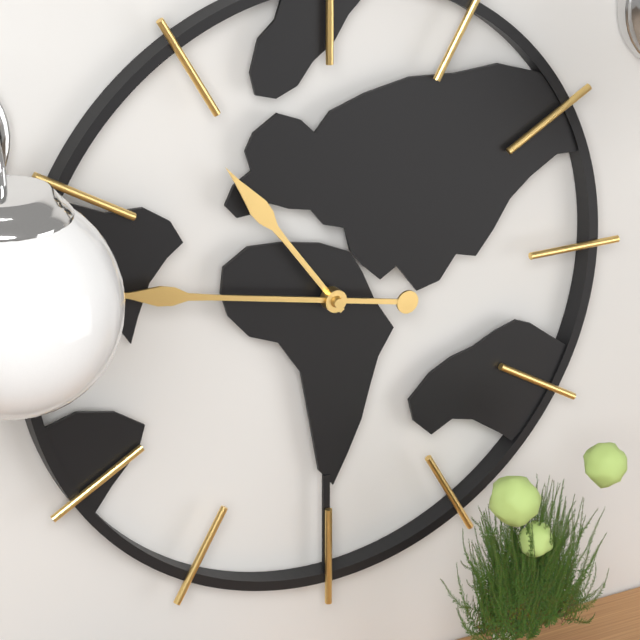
10.47
